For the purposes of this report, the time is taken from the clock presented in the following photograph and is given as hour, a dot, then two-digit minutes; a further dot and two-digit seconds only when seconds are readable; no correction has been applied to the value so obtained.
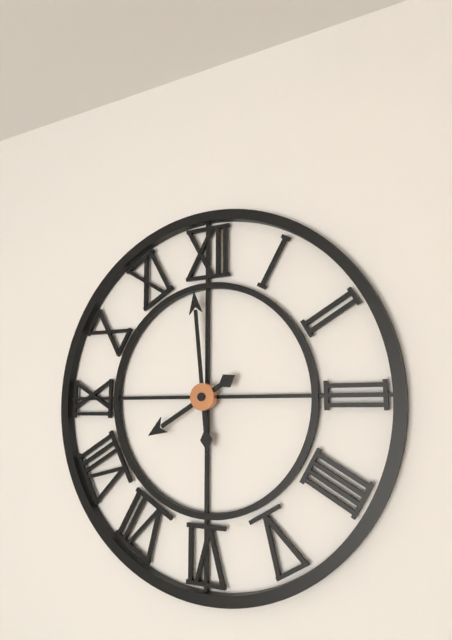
7.59
